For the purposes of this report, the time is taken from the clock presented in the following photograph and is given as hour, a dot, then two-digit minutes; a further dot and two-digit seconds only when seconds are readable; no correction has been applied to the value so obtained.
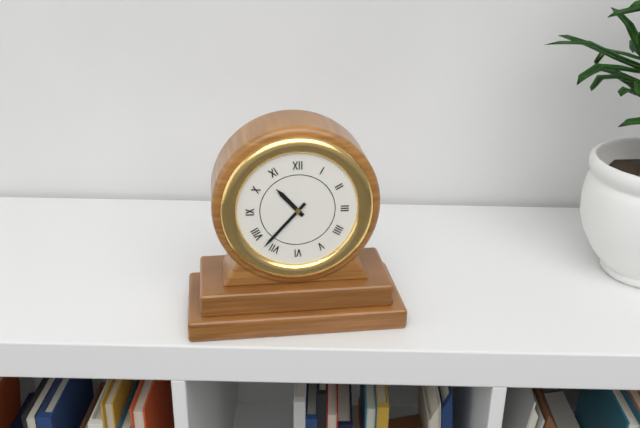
10.37
